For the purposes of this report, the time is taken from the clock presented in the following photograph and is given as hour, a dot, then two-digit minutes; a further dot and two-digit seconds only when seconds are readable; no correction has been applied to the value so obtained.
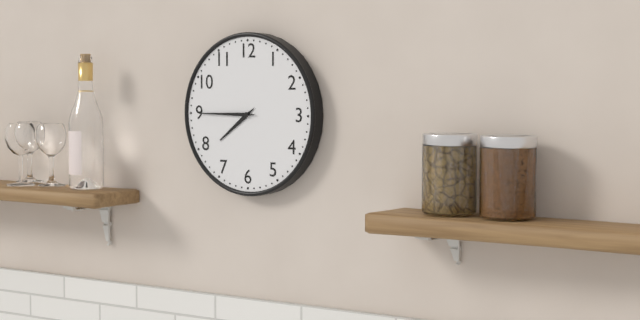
7.45
